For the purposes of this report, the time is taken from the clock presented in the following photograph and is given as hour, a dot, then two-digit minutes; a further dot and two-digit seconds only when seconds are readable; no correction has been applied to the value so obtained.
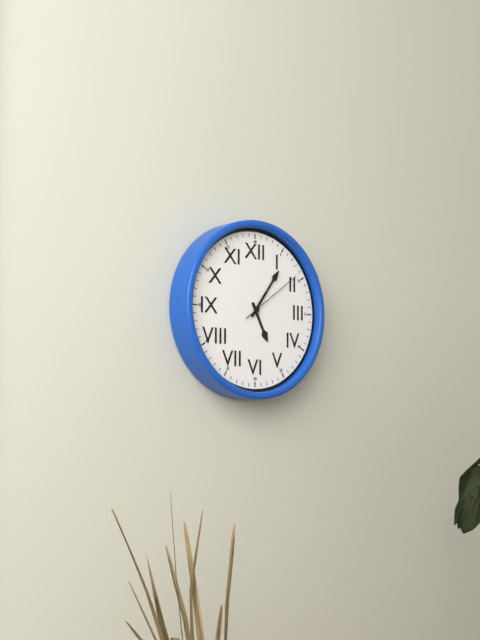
5.06.09
